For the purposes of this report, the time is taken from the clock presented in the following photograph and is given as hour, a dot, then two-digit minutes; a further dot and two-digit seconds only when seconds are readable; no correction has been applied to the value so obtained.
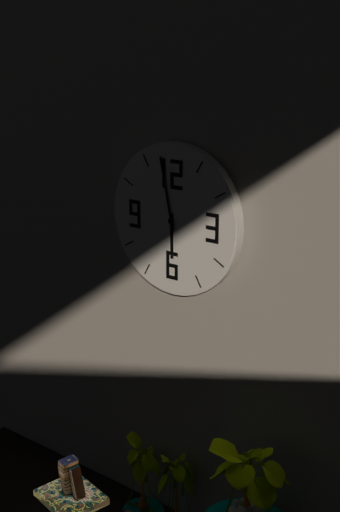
5.58
